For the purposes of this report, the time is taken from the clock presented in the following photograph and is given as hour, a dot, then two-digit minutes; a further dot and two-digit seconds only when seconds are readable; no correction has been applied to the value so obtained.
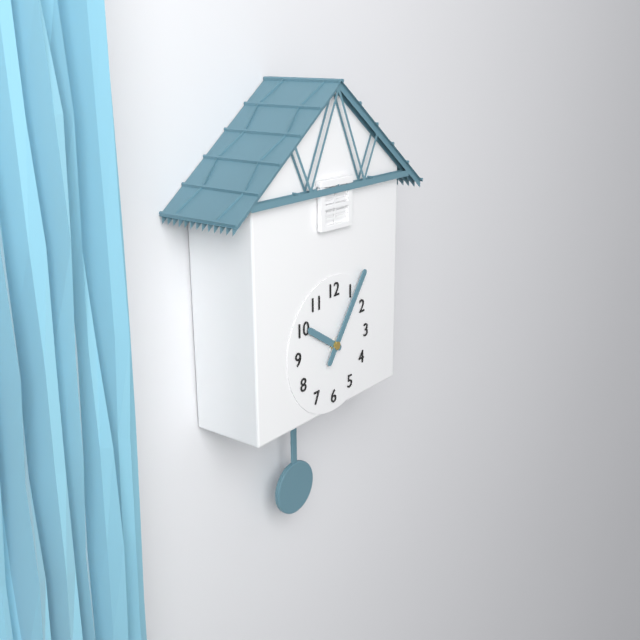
10.06
